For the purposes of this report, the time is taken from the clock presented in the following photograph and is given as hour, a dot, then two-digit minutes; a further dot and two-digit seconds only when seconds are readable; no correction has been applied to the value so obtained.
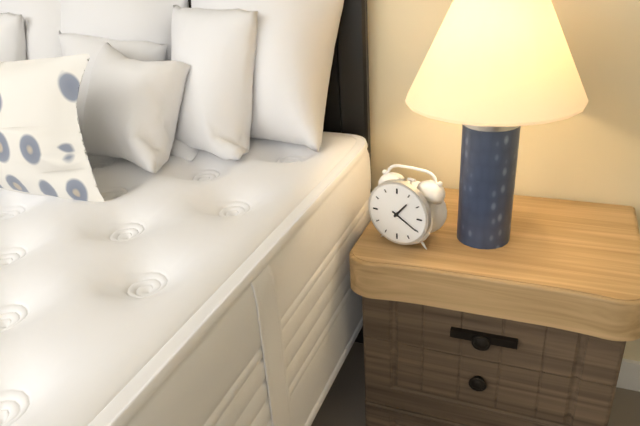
1.20
